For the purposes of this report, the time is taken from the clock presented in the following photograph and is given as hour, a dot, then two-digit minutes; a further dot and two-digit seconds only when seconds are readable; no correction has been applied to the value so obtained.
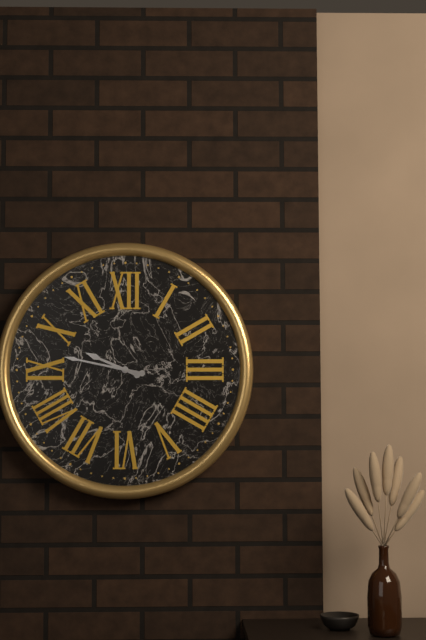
9.47
